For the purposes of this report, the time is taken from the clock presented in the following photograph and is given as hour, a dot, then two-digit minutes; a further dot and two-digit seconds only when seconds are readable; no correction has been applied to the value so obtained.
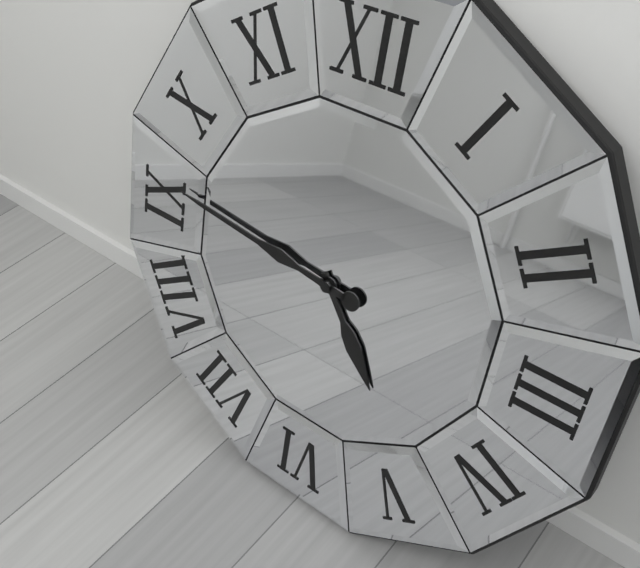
4.46
